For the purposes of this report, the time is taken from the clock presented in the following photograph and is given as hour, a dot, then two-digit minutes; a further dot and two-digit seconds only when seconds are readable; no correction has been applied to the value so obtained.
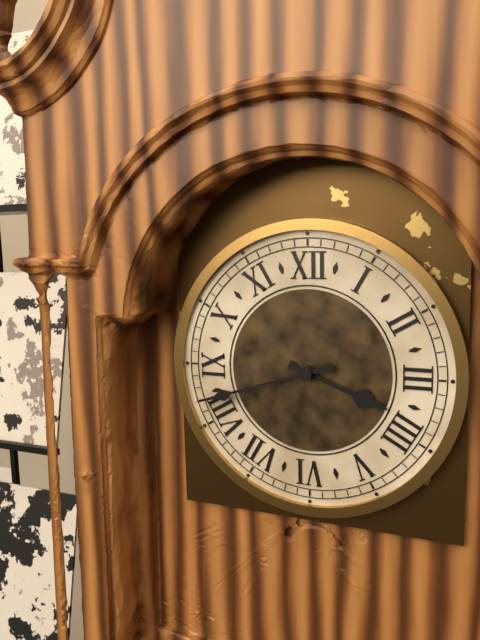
3.42
